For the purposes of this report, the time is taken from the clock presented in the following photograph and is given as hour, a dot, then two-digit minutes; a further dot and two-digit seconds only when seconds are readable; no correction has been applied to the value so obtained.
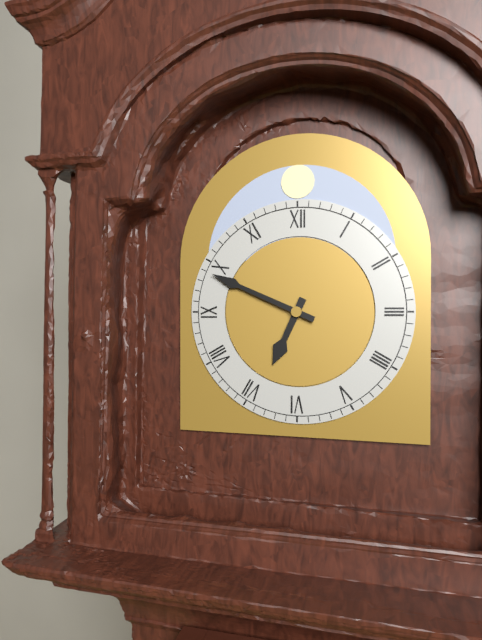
6.49
